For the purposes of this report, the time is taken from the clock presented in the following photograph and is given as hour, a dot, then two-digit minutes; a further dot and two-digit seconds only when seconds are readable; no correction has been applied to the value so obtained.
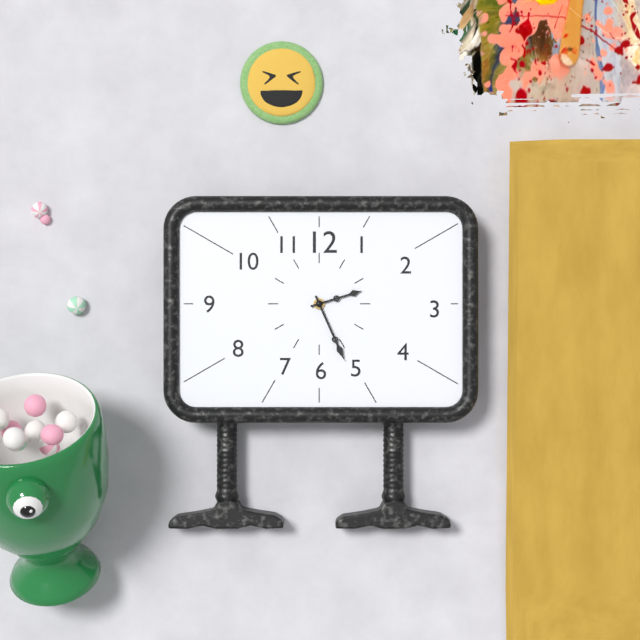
2.26
